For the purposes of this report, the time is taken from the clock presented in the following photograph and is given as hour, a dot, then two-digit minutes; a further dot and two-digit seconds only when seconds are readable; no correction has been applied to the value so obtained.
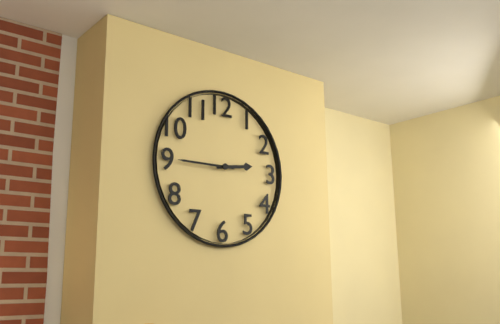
2.45
